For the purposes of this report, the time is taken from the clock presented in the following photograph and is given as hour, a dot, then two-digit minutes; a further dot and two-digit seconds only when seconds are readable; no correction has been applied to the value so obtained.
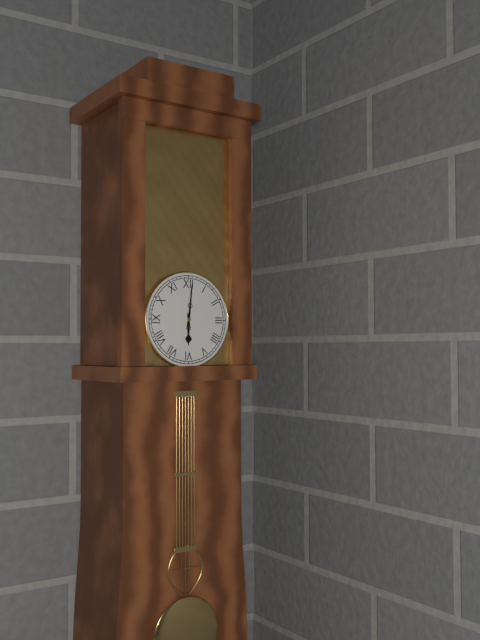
6.01
